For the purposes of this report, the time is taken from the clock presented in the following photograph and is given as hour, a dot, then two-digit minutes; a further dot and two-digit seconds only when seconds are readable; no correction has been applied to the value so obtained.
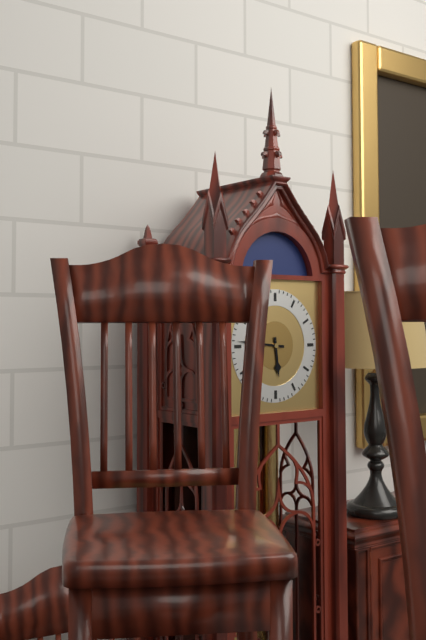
5.46
